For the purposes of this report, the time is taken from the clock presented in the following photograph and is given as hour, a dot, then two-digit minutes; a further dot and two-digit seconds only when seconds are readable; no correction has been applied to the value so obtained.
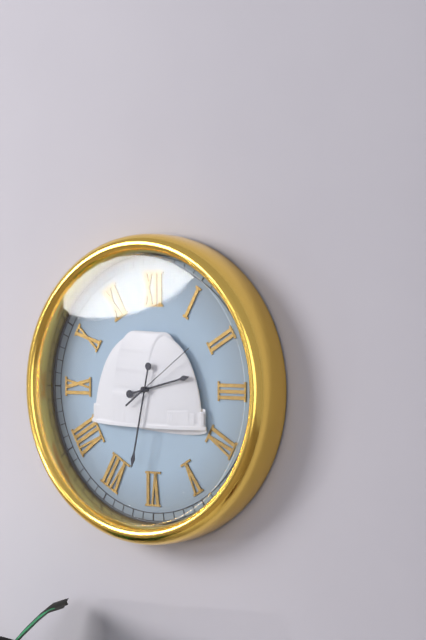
2.32.09
